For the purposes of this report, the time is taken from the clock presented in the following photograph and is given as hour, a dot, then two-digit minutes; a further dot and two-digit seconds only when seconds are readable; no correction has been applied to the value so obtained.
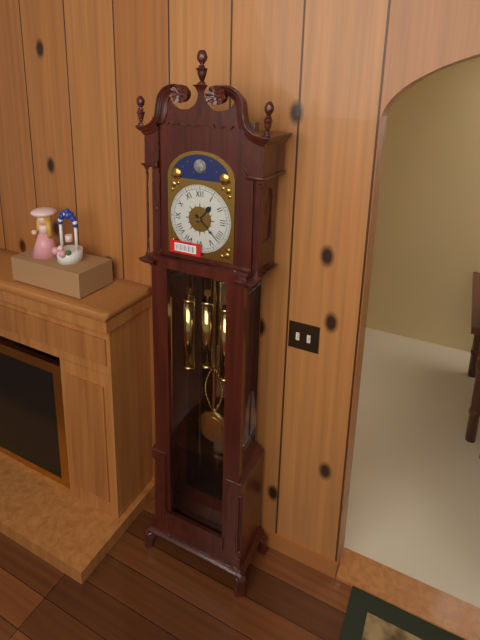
1.22
